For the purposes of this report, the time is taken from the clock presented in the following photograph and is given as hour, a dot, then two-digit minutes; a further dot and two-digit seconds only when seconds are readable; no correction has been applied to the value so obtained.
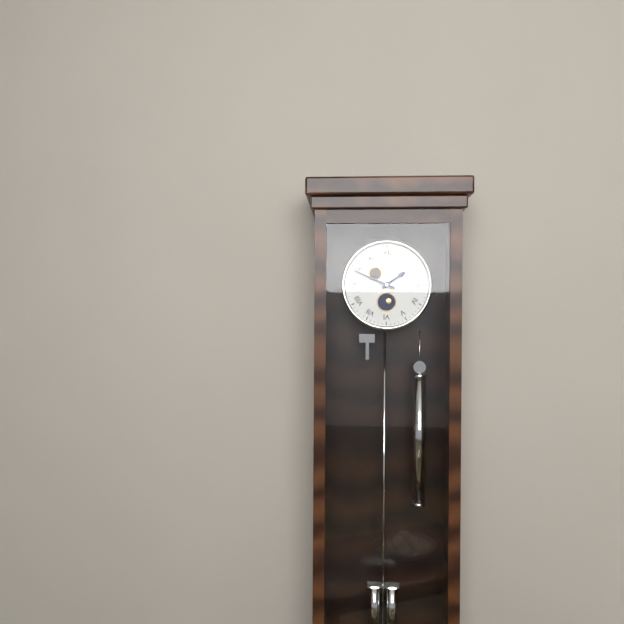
1.49
